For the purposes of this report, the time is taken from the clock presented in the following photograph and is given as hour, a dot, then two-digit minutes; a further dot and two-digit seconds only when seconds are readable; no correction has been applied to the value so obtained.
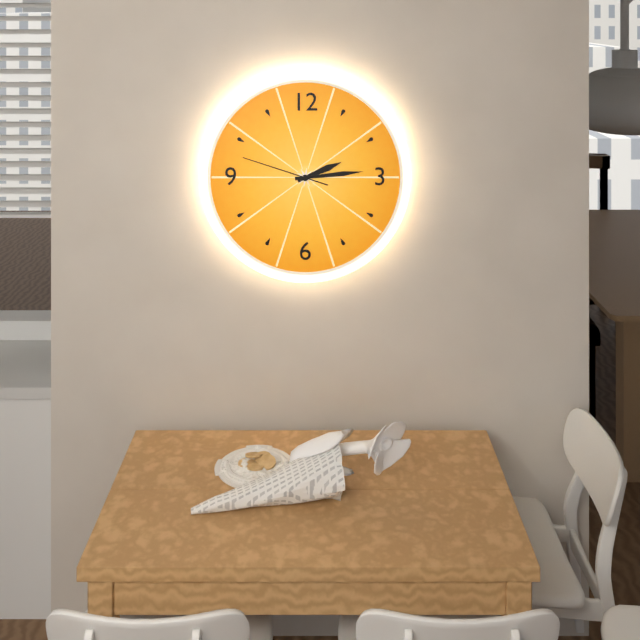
2.14.48
